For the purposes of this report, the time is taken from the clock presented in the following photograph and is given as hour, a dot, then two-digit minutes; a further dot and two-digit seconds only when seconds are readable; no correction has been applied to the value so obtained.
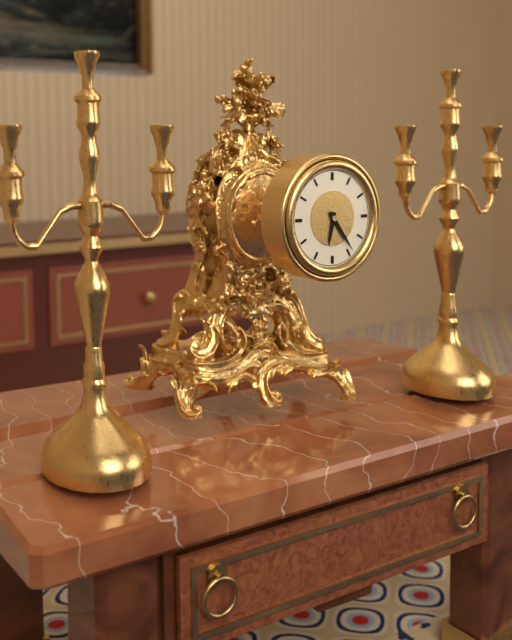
6.24
